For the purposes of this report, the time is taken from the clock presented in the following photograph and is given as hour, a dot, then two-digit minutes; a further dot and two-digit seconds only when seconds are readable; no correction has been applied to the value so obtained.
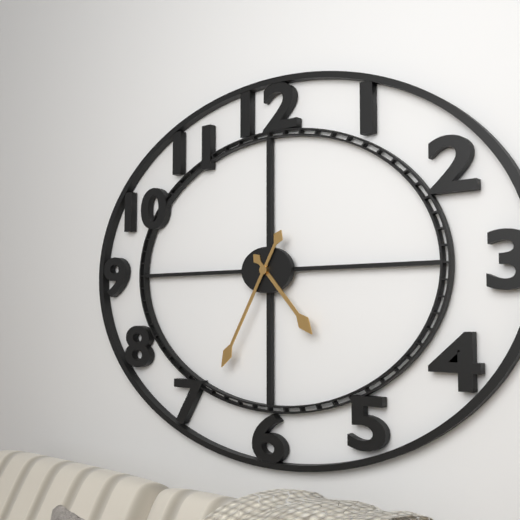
4.35
